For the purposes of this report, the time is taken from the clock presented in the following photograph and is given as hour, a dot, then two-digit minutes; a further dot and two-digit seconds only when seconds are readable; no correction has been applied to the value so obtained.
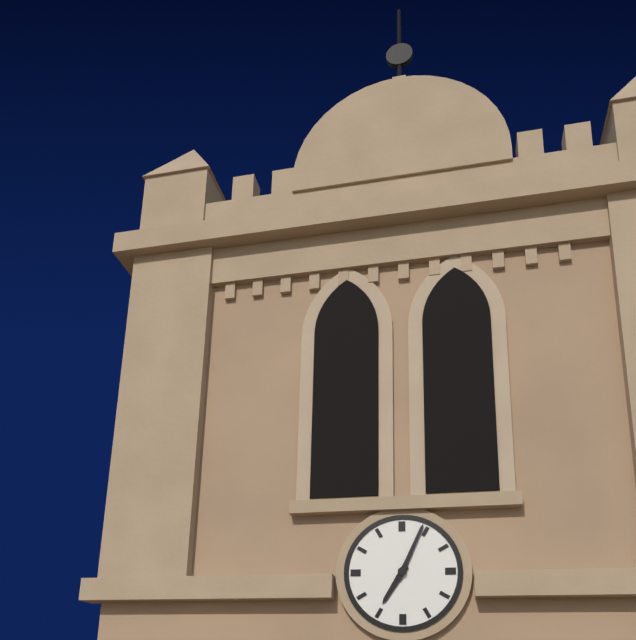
7.04
